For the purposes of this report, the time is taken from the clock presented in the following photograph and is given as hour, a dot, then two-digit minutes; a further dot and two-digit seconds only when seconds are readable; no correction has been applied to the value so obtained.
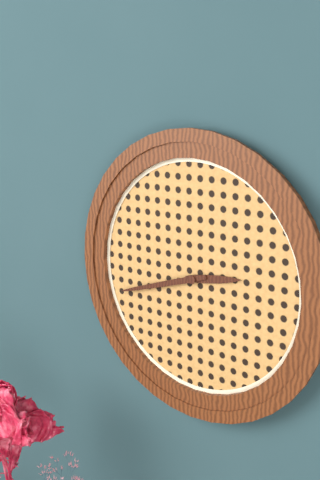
2.42
